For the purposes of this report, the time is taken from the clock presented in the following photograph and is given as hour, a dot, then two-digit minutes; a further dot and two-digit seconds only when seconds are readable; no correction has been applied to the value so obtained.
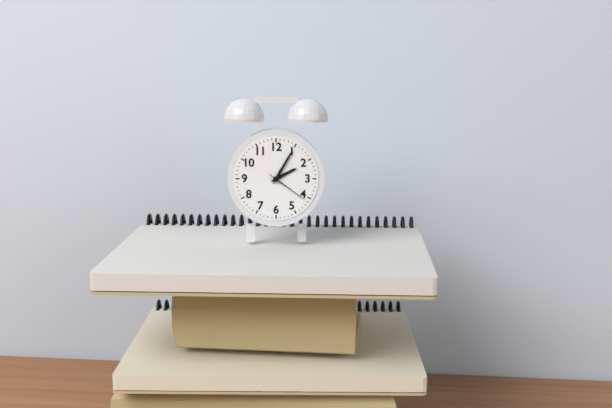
2.05
